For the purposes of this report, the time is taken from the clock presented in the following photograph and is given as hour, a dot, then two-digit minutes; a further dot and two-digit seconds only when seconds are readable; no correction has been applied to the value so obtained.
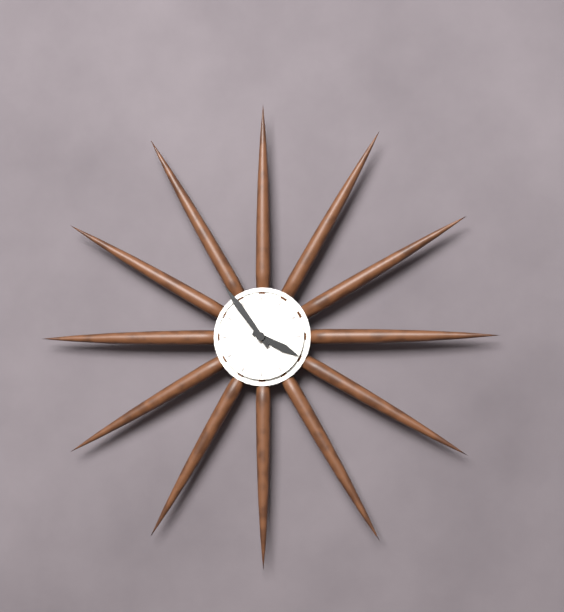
3.54
